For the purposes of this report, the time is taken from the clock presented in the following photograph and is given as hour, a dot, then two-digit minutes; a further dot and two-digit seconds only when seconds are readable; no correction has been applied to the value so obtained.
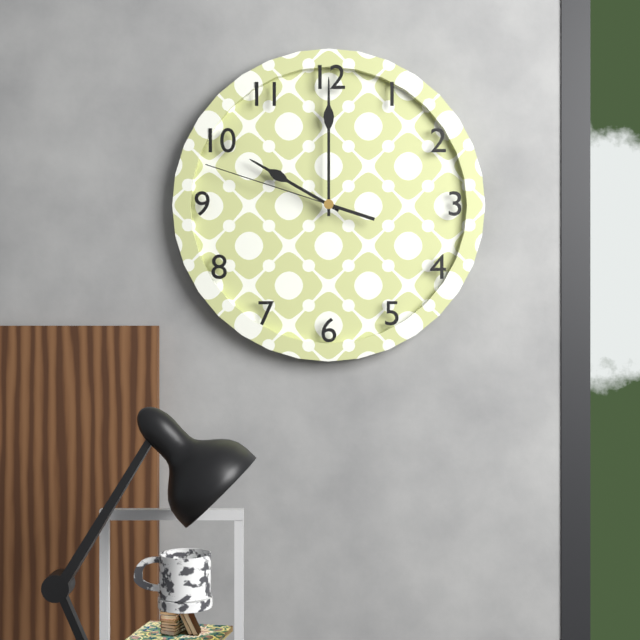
10.00.48
